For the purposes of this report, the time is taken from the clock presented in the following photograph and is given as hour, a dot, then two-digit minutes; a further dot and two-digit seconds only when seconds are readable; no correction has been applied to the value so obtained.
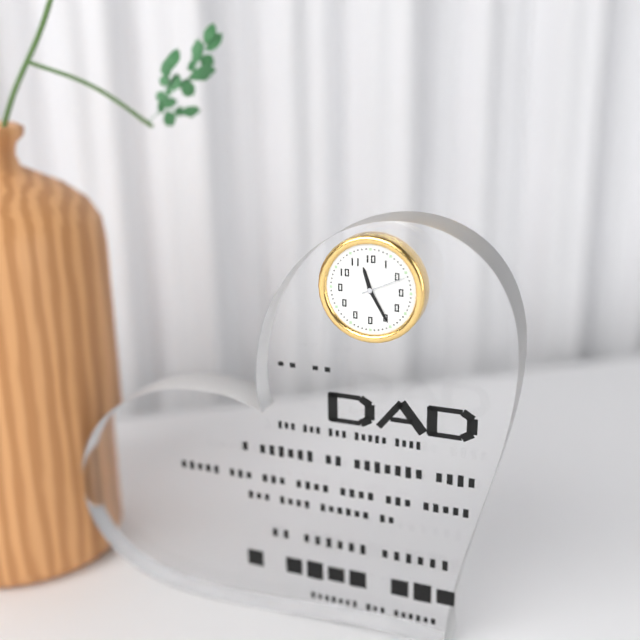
11.25
